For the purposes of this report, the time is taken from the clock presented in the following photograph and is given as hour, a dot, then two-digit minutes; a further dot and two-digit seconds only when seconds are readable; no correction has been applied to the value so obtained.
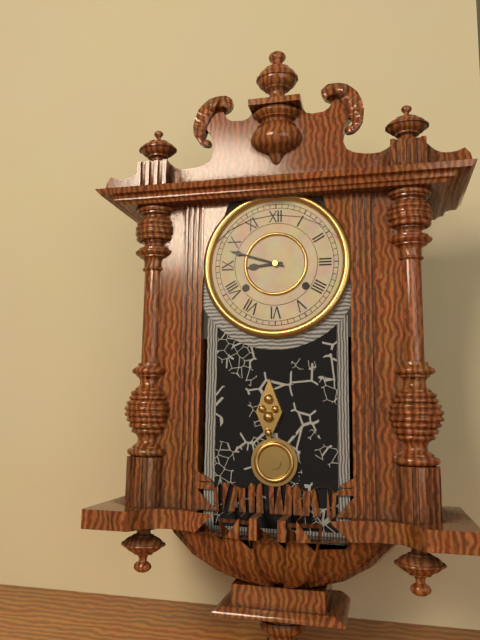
8.48
